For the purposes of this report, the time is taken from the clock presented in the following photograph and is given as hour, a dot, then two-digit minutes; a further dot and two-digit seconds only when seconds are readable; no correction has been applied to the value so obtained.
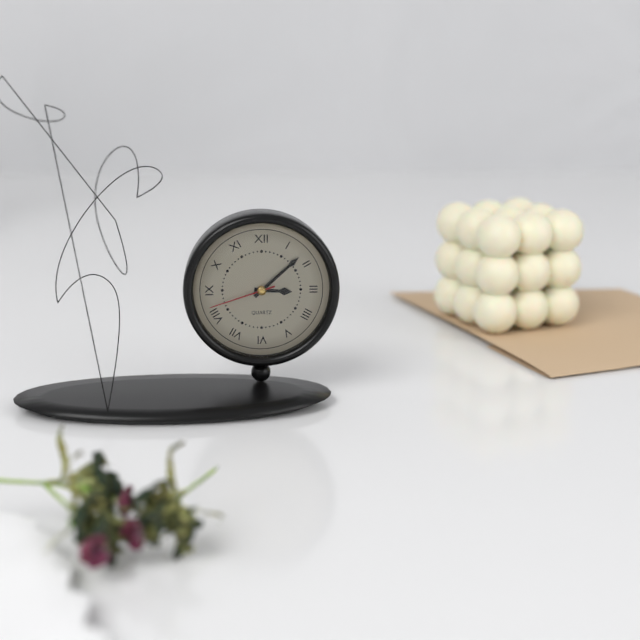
3.08.42
